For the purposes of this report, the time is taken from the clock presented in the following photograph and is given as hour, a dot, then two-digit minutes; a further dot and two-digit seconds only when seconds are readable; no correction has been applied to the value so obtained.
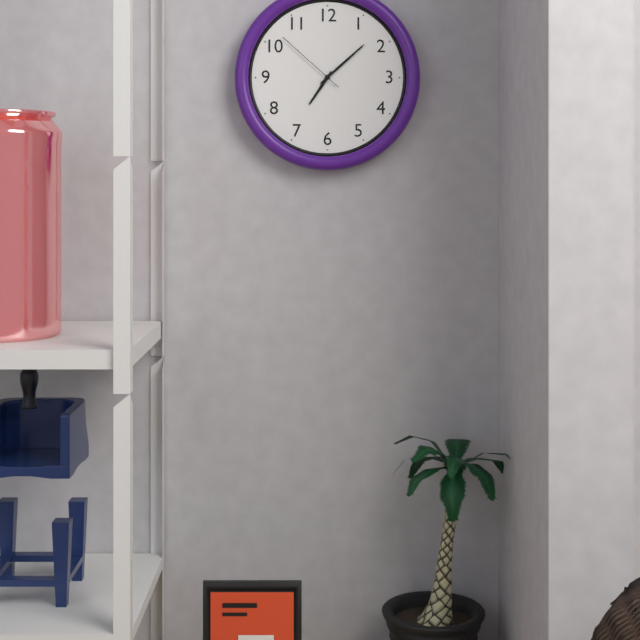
7.08.52
